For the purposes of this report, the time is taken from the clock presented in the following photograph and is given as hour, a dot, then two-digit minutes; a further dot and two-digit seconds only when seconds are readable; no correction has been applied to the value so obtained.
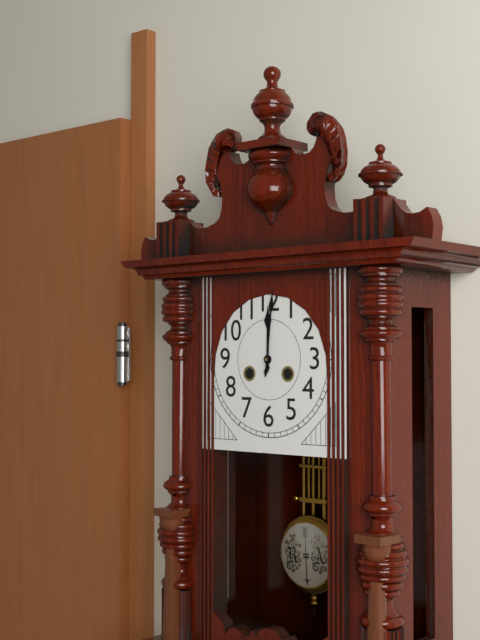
12.01
